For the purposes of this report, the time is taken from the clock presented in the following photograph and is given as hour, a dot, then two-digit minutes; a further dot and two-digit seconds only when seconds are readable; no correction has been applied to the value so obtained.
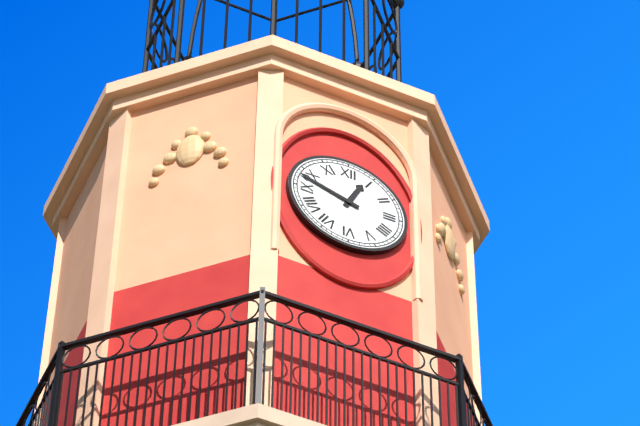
12.48
